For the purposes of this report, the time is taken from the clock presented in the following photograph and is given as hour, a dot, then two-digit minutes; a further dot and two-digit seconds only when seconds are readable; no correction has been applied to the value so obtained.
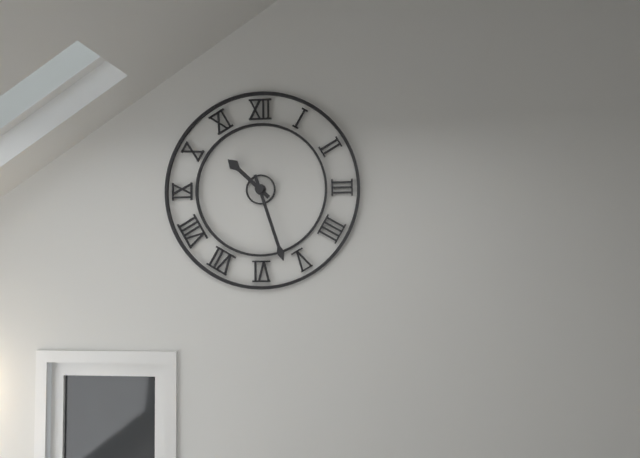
10.27
